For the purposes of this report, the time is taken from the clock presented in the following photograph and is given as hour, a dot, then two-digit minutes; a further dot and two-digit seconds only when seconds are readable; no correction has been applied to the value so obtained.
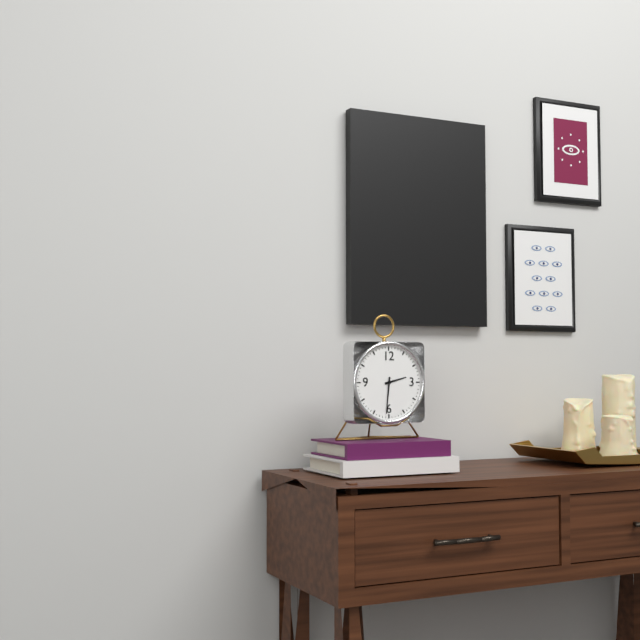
2.31
